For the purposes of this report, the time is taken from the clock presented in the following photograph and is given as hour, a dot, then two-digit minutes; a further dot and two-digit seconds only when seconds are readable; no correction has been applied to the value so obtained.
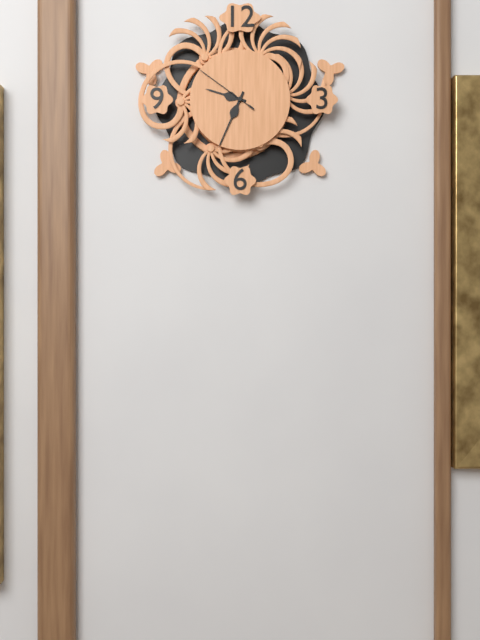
9.34.51
